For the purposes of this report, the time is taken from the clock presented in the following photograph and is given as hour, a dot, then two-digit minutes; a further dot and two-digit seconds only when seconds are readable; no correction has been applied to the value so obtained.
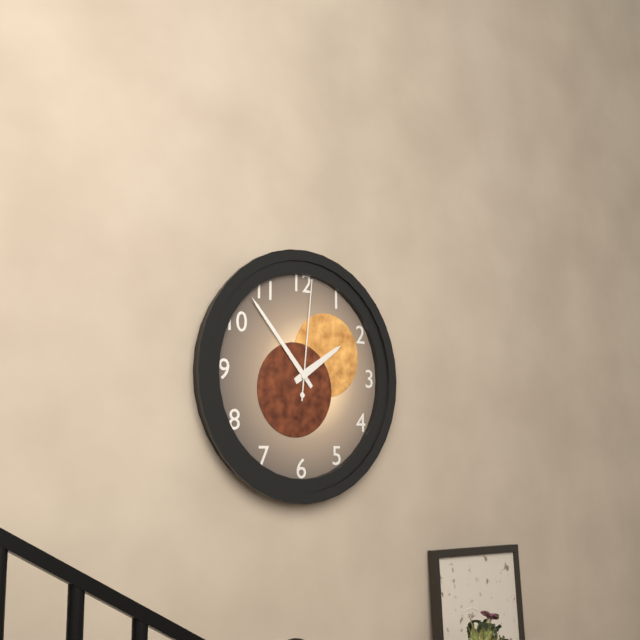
1.53.01
